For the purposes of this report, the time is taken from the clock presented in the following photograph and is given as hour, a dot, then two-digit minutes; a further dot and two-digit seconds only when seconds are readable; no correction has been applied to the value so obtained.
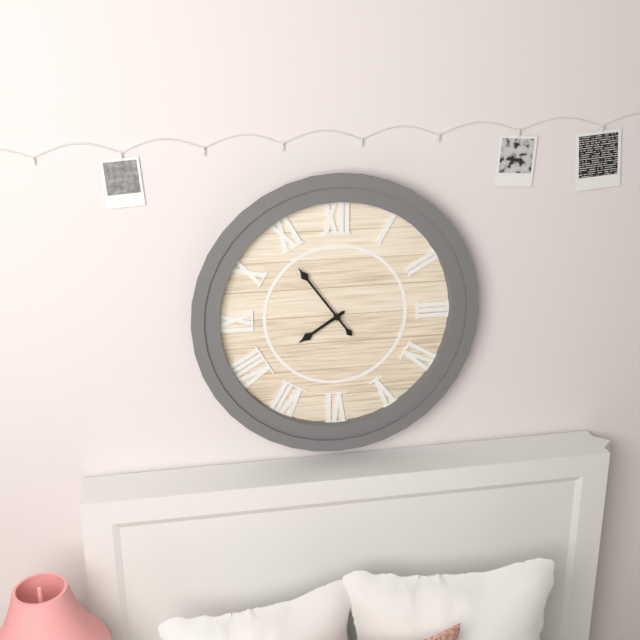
7.54
